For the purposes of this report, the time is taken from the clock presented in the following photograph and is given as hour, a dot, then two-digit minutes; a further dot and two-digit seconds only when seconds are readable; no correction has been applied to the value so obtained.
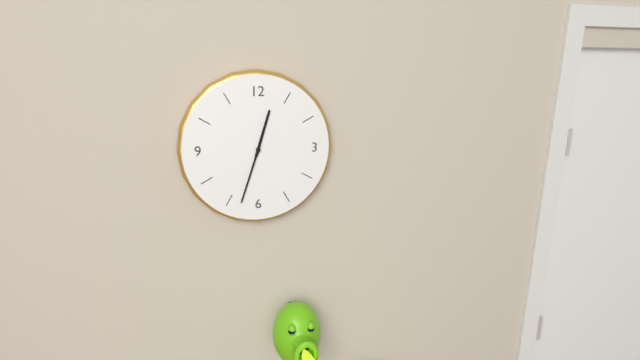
12.33
